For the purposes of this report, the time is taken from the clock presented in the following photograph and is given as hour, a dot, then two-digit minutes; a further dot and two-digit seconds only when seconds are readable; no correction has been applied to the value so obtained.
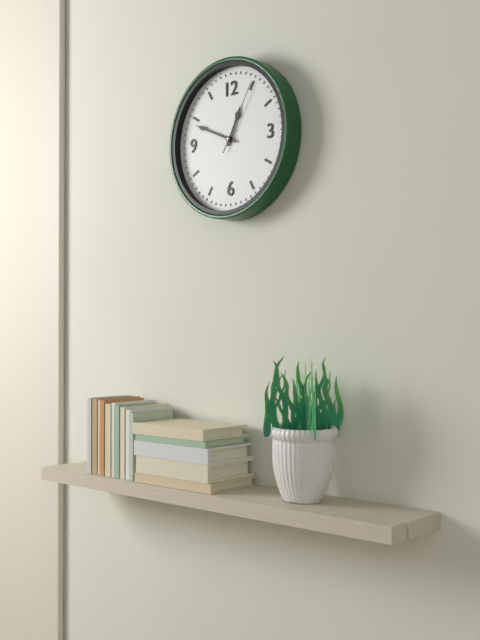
12.49.05
